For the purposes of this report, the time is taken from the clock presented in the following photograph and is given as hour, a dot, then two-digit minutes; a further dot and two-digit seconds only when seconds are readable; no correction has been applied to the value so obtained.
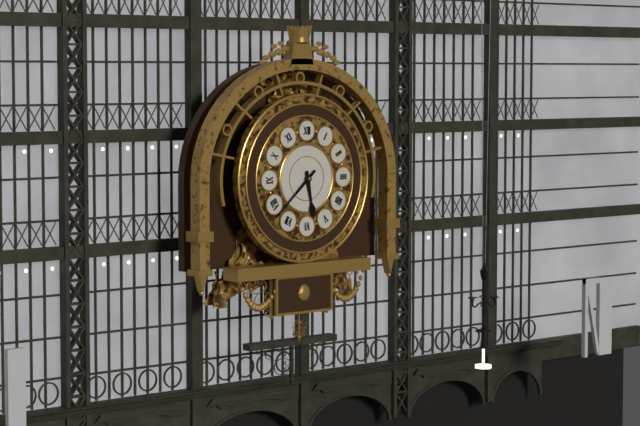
5.38
